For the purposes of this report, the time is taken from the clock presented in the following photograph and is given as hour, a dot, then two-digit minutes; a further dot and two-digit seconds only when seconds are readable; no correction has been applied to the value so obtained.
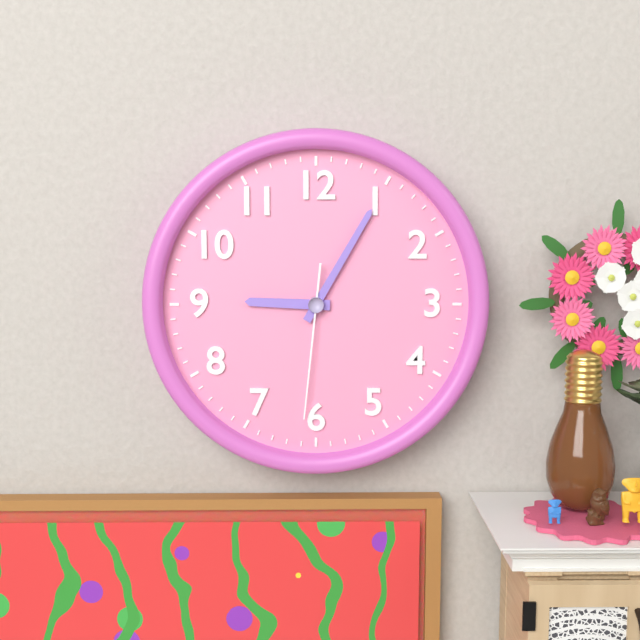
9.05.31
